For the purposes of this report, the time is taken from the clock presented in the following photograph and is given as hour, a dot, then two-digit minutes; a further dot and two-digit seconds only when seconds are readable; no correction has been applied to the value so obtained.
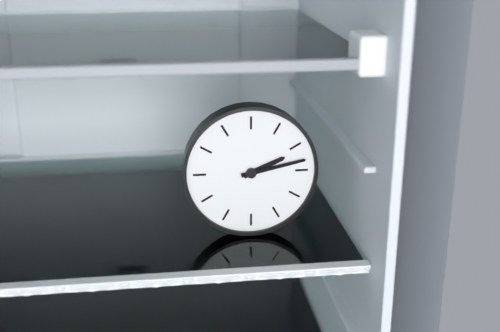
2.13
